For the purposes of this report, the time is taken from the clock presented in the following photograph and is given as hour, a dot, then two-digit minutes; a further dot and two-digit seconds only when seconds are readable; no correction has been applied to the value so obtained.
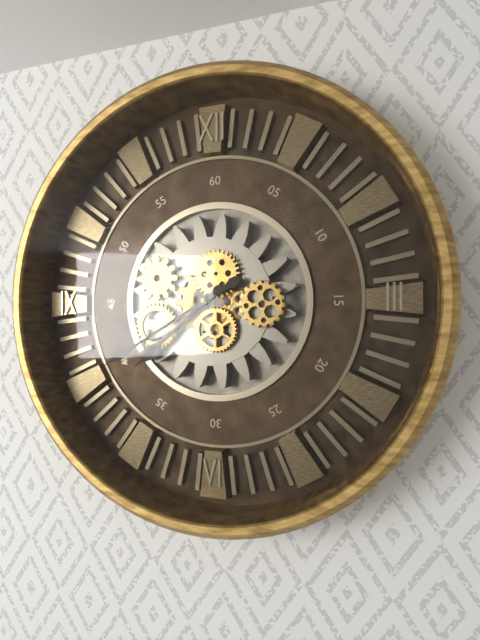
7.40
